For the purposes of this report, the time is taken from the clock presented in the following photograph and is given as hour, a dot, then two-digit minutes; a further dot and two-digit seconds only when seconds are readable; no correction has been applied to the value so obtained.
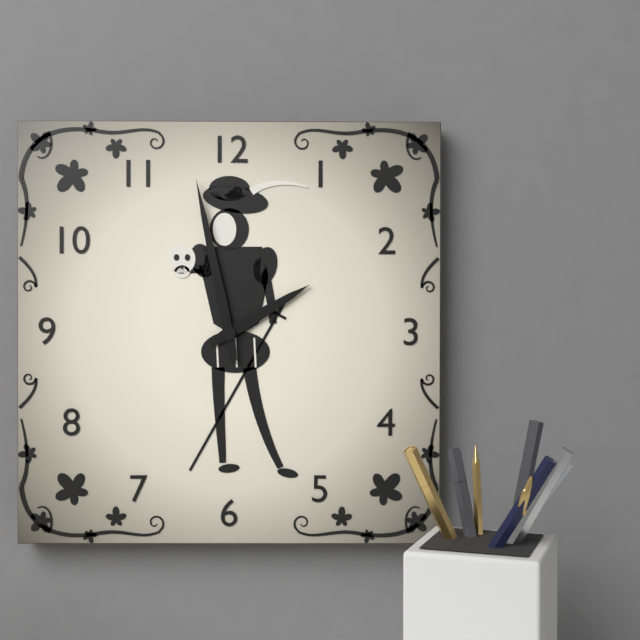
1.58
